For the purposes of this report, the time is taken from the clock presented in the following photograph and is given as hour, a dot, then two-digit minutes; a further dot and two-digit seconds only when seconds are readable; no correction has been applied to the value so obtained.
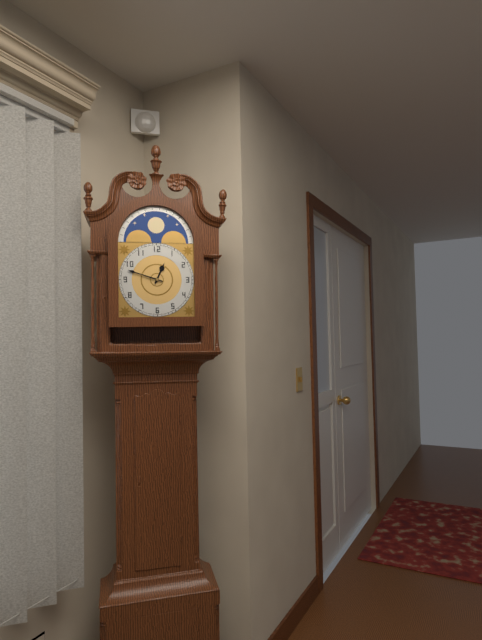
12.48
